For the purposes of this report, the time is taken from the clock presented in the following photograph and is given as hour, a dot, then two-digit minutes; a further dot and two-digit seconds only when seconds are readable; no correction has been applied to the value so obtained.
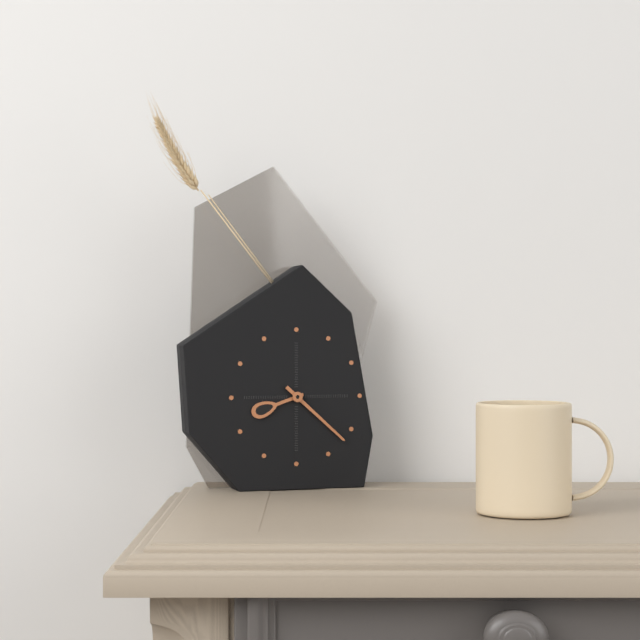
8.22
